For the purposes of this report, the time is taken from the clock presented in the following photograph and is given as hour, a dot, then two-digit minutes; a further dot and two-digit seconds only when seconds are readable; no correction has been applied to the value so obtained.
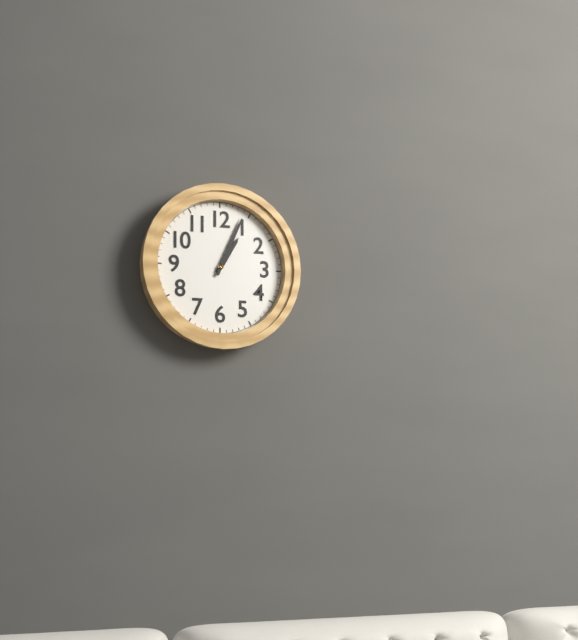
1.04
